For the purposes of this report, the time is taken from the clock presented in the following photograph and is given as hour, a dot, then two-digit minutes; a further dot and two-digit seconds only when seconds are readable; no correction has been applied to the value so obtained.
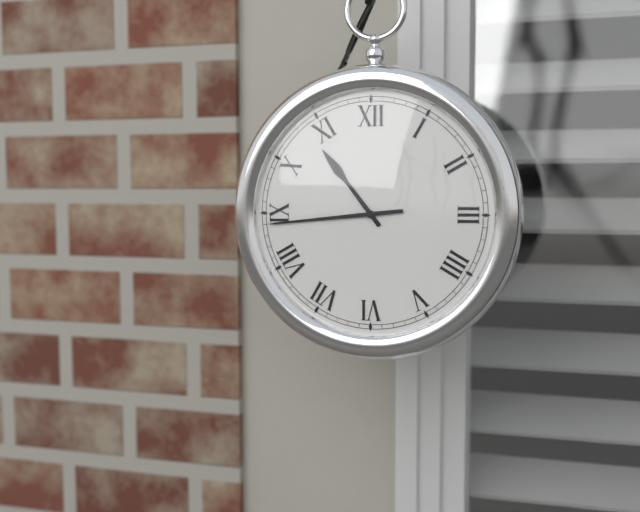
10.44
